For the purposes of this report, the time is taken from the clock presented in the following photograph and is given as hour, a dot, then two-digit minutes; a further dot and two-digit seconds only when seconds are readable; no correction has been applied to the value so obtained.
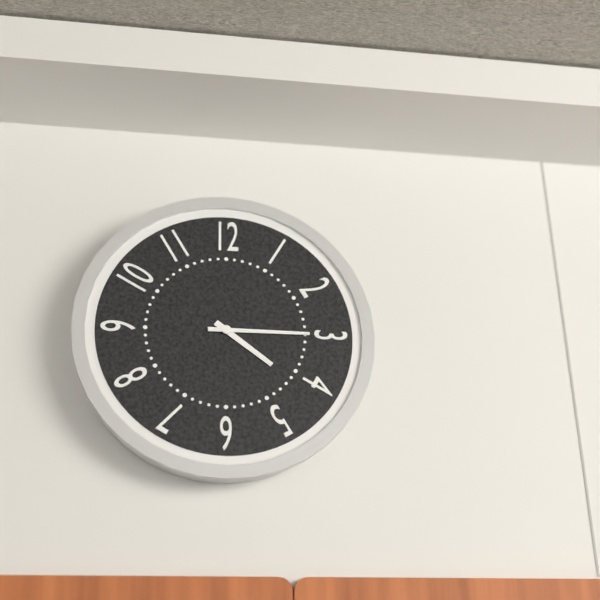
4.15
